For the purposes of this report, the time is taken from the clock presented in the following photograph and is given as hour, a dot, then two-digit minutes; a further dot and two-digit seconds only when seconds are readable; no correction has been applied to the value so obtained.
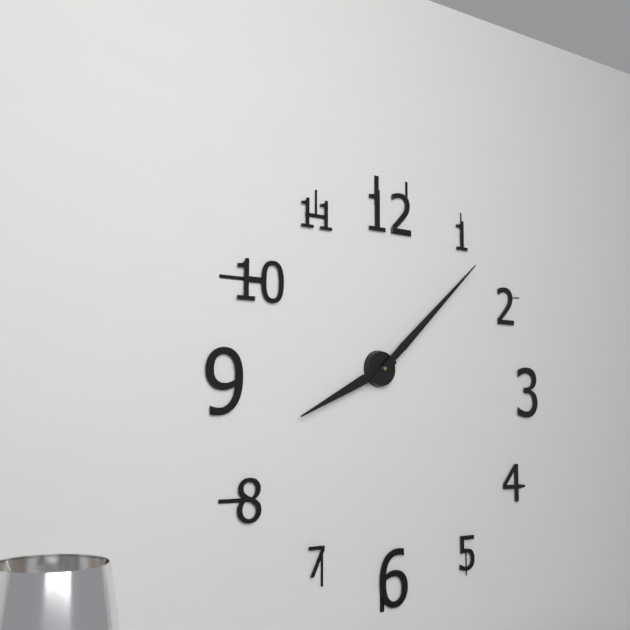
8.08
